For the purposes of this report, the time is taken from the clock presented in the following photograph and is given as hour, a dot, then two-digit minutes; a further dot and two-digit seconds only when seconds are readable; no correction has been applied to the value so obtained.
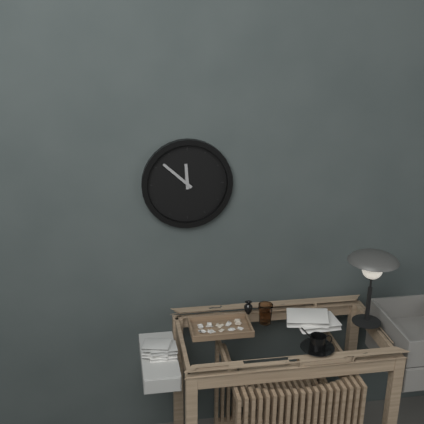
11.52
